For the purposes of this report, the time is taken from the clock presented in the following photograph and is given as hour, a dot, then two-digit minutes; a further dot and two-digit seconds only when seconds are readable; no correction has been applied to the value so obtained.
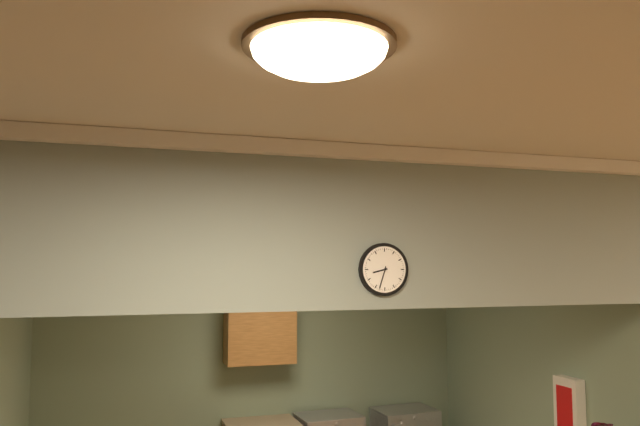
8.33
